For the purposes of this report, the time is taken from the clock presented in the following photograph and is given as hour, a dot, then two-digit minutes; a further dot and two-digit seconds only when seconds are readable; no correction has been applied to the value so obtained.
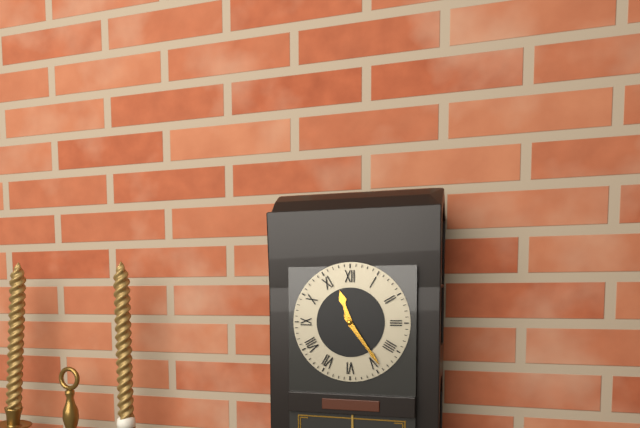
11.24
